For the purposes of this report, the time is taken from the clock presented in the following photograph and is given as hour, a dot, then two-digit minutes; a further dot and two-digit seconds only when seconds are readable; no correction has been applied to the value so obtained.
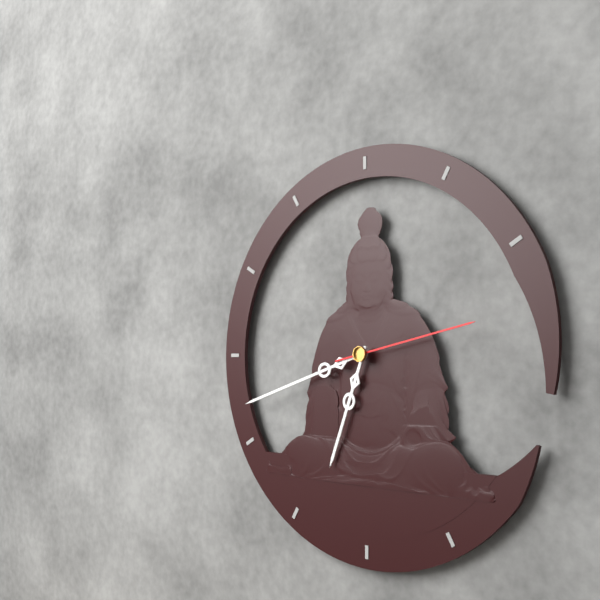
6.42.13
